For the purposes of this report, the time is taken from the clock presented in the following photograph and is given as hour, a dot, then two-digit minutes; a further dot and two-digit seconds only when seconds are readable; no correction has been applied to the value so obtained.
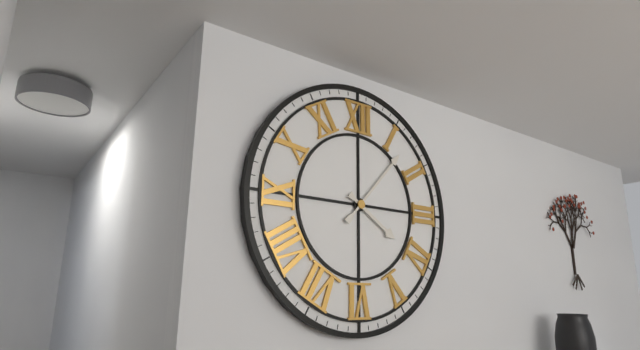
4.07
